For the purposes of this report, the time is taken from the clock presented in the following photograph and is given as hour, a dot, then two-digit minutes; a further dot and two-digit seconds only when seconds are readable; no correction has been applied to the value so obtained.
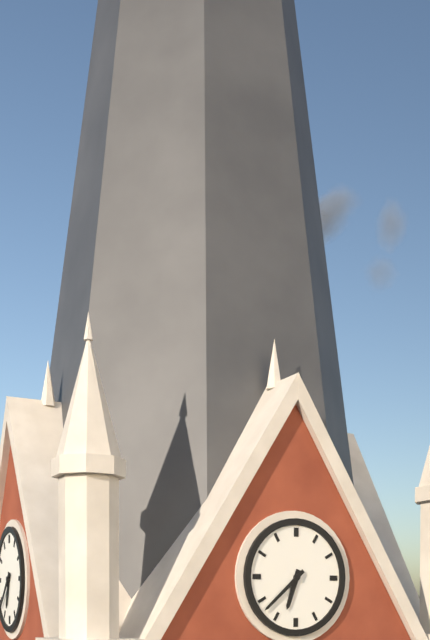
6.38
